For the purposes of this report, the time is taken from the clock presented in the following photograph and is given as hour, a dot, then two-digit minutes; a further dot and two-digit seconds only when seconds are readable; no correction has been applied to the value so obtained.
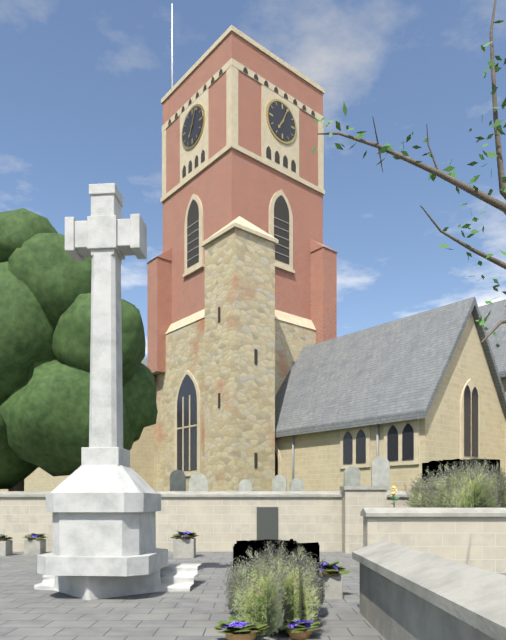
7.04
